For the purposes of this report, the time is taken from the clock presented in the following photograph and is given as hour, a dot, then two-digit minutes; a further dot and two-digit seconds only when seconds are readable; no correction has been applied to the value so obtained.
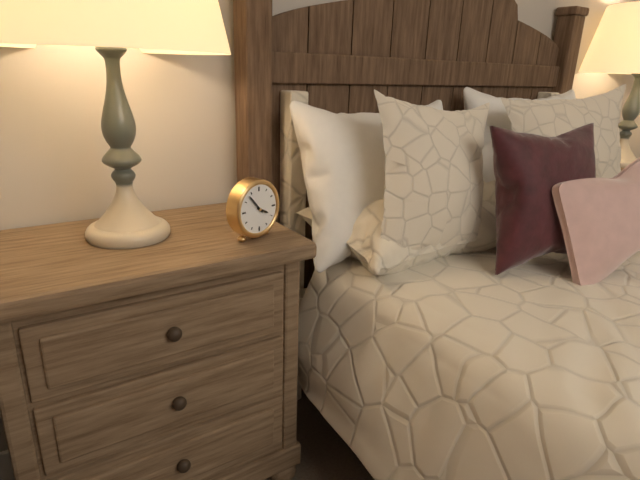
3.53
